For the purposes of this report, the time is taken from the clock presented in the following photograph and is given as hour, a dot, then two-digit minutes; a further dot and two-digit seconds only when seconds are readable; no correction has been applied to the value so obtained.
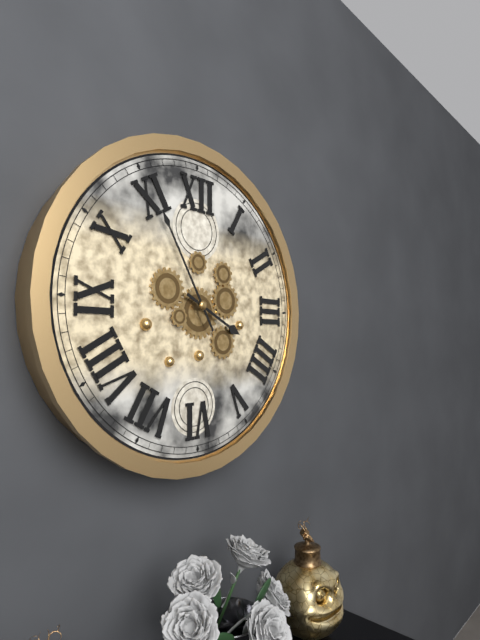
3.55
